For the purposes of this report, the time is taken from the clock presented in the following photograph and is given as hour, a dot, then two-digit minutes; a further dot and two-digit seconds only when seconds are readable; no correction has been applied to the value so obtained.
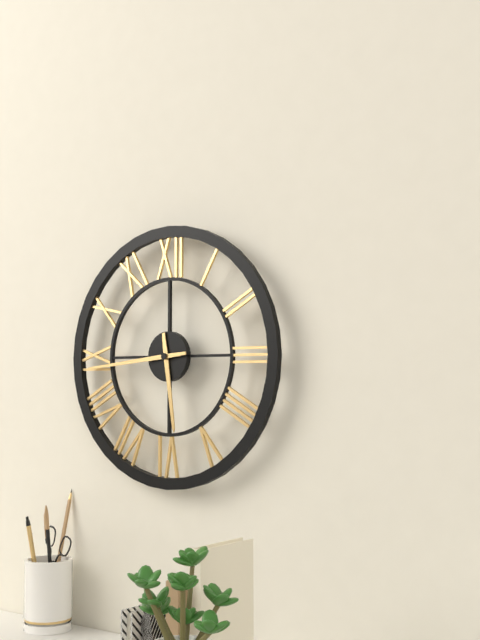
5.44
